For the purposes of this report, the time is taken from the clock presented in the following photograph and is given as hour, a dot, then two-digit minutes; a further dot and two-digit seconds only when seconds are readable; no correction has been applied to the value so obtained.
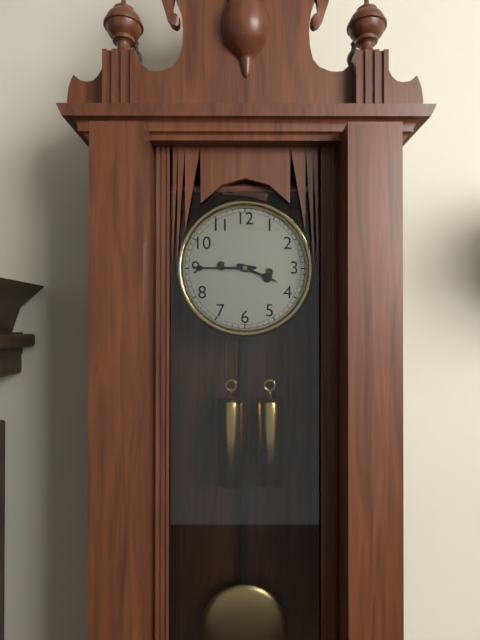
3.45
